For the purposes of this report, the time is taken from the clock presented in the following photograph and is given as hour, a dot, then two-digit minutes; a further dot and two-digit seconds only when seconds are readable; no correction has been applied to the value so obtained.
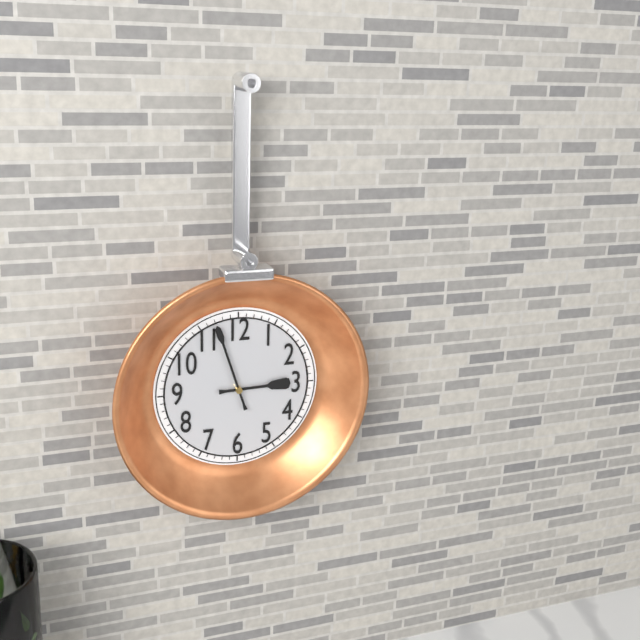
2.57
